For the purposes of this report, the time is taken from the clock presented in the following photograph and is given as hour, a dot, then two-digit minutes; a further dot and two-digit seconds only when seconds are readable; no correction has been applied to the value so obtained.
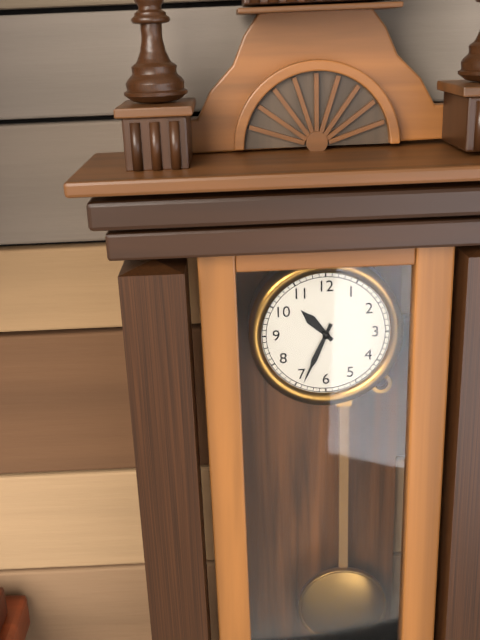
10.34
